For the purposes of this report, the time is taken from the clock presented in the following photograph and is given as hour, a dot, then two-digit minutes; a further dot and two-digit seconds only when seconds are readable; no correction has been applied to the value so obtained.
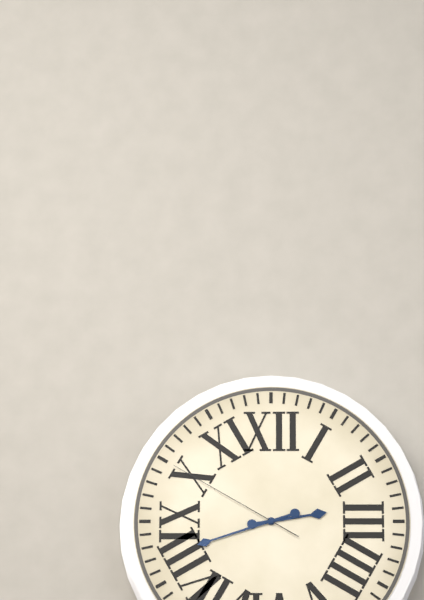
2.42.50
